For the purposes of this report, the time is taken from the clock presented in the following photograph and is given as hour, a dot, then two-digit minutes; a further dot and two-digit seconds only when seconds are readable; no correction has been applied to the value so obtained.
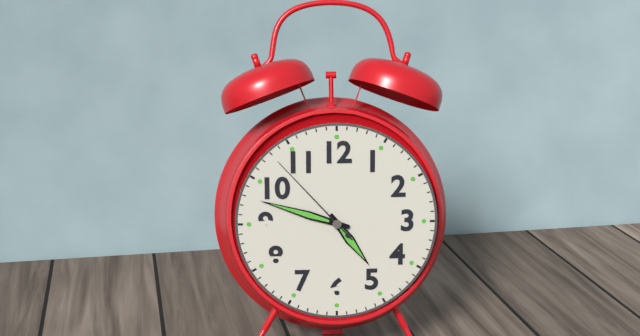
4.48.53
